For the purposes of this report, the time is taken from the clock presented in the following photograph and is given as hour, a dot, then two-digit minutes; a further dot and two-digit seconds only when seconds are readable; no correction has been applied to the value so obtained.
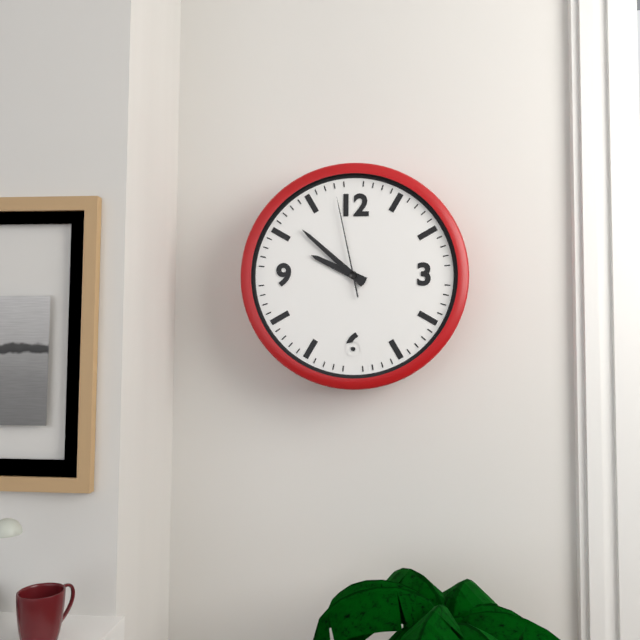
9.52.58
